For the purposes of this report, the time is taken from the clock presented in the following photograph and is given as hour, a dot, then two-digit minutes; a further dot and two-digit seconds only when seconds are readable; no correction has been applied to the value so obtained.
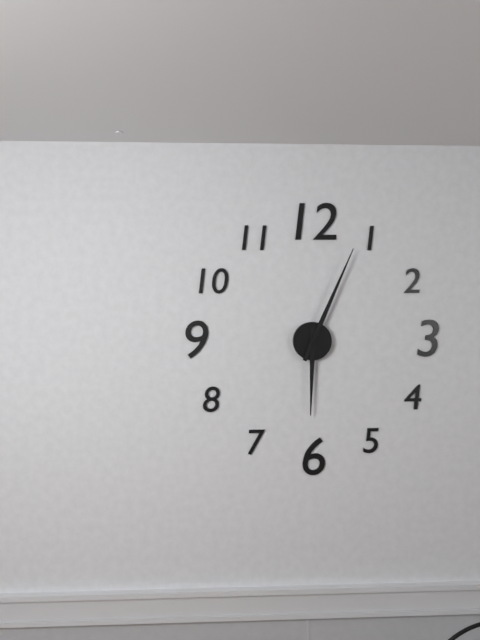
6.04
